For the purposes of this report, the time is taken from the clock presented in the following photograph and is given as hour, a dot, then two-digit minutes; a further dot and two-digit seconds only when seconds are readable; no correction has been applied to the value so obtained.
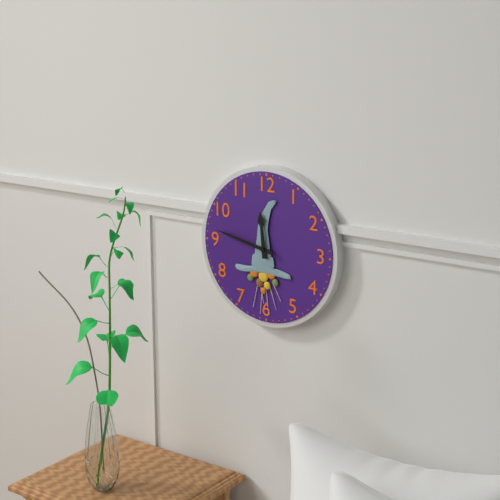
11.47
